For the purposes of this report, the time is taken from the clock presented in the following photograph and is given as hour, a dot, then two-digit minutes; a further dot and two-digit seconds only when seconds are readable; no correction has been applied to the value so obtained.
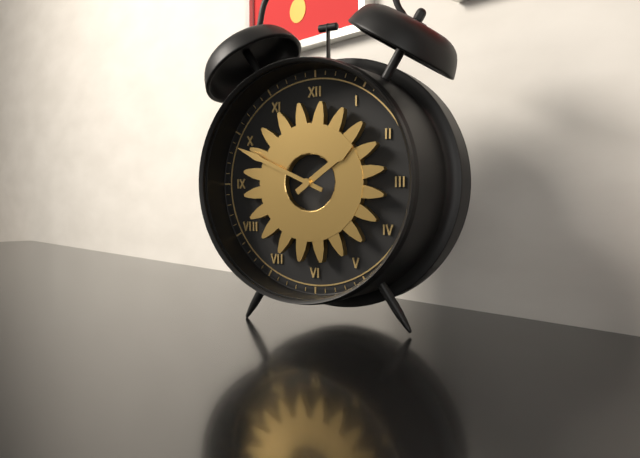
1.49
